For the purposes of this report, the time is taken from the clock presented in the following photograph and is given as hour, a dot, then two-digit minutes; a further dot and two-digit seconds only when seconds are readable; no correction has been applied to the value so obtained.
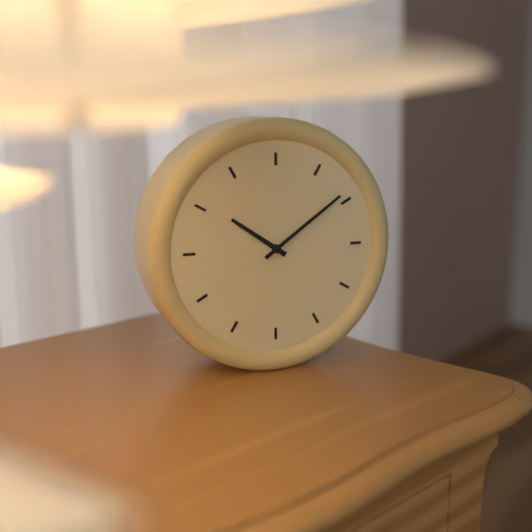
10.09
